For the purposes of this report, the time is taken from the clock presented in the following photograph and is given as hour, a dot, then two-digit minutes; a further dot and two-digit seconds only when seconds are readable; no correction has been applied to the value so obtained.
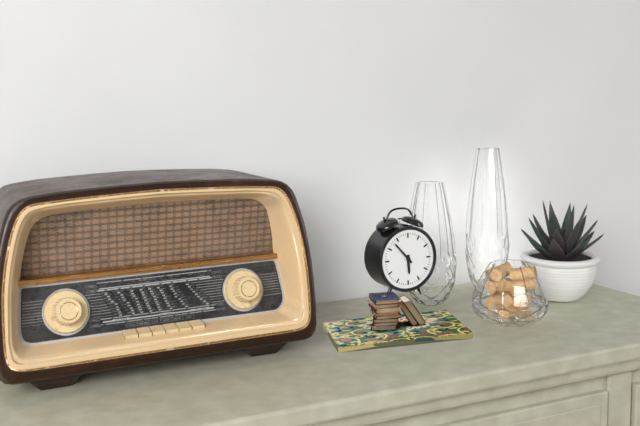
5.53
